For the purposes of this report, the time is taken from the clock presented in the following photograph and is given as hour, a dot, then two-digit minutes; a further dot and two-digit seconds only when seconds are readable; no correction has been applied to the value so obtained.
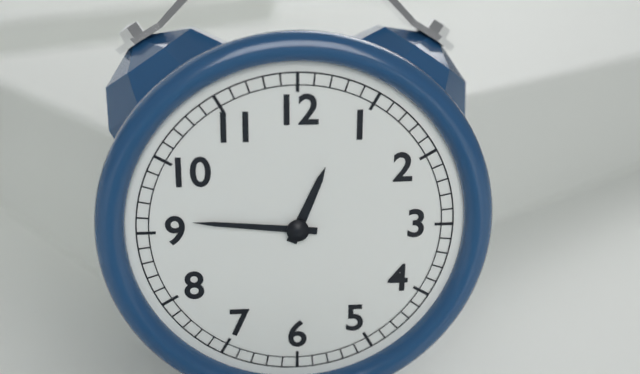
12.46
